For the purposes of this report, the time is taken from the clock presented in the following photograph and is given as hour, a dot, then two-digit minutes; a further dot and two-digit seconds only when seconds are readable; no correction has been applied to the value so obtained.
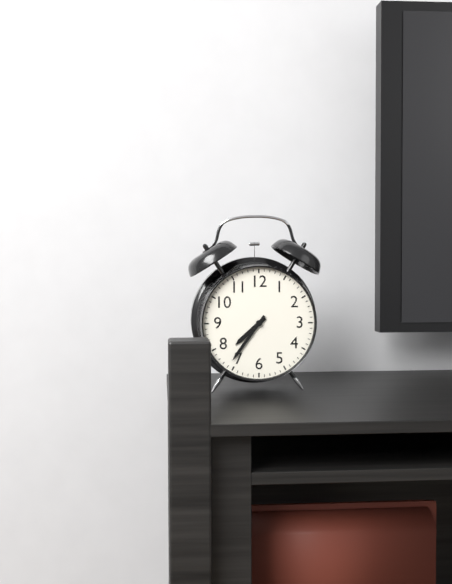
7.36
